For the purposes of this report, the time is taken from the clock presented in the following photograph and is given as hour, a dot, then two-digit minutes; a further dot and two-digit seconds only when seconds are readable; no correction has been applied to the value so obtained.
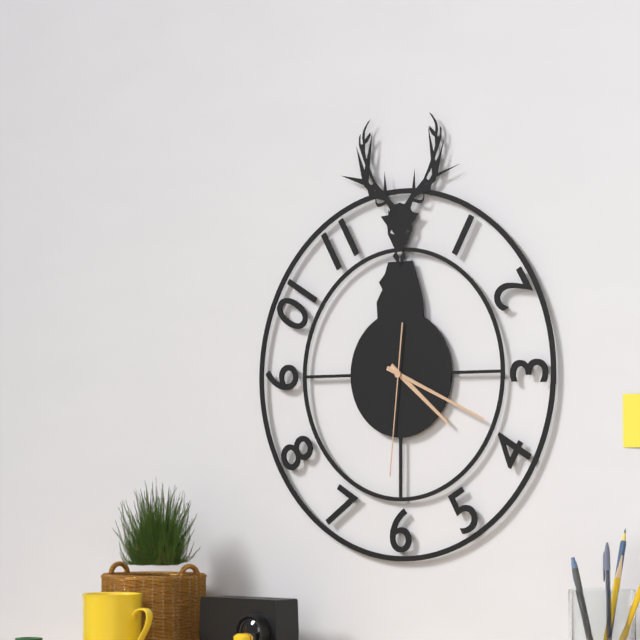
4.19.31
